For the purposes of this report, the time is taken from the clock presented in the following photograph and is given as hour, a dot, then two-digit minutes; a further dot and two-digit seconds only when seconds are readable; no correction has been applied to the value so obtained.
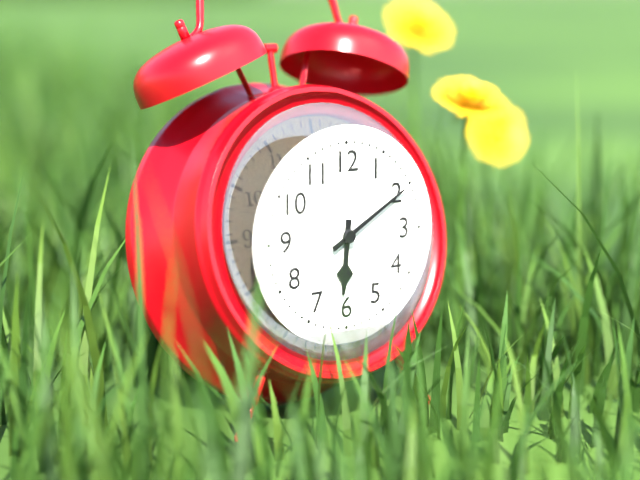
6.10
